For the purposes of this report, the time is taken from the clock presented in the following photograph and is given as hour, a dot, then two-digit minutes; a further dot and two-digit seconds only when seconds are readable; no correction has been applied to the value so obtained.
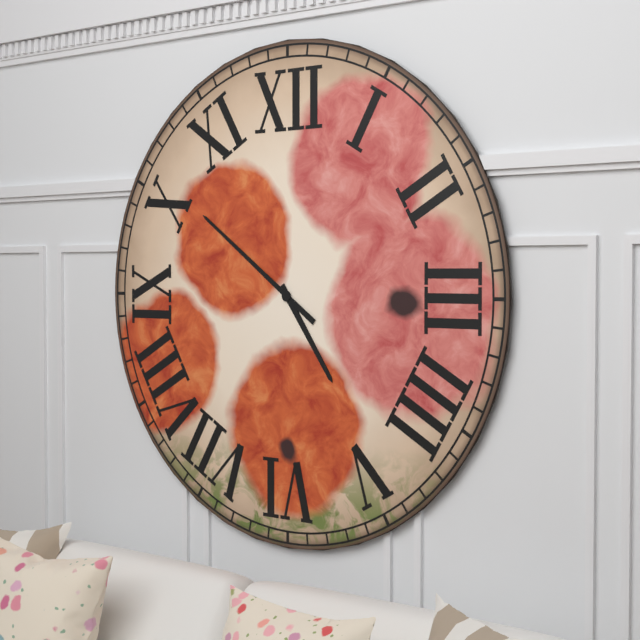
4.51
